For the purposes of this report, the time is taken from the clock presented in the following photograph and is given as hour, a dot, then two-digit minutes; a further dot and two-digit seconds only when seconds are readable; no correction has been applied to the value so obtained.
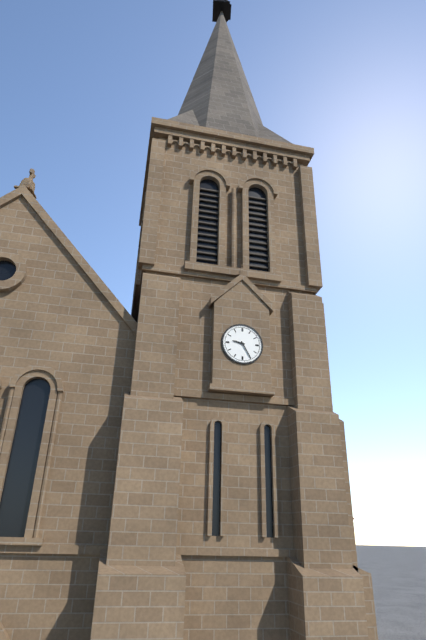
9.25
